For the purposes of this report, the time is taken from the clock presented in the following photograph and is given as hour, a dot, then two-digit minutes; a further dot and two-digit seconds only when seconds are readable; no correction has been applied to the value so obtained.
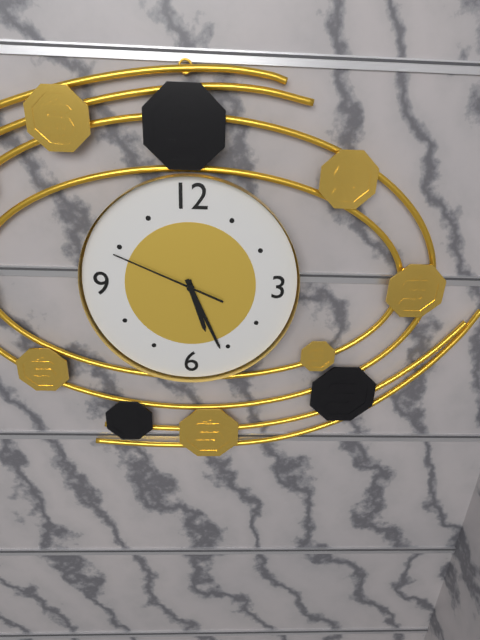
5.26.49
